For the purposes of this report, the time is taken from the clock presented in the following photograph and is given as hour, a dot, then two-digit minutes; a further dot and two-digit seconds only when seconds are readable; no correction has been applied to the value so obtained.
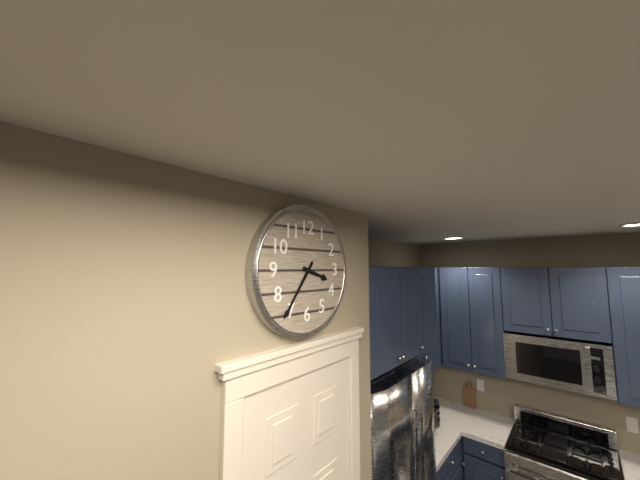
3.36
